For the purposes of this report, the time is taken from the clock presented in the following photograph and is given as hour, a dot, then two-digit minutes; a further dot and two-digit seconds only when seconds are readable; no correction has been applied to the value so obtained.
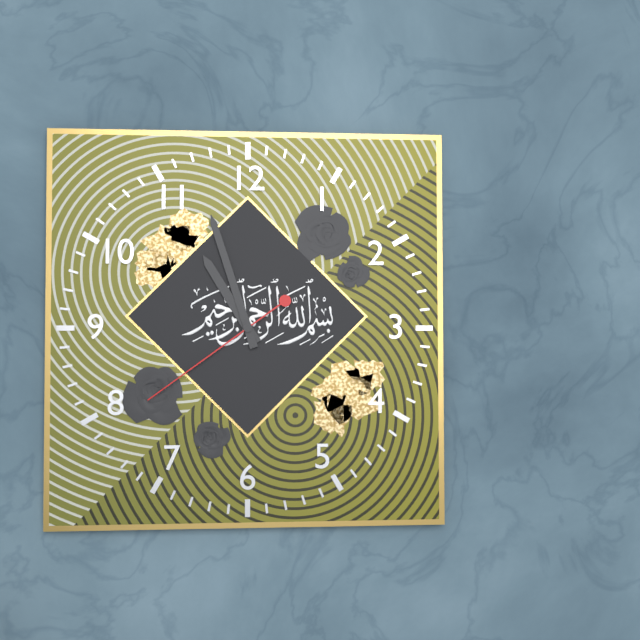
10.57.39
